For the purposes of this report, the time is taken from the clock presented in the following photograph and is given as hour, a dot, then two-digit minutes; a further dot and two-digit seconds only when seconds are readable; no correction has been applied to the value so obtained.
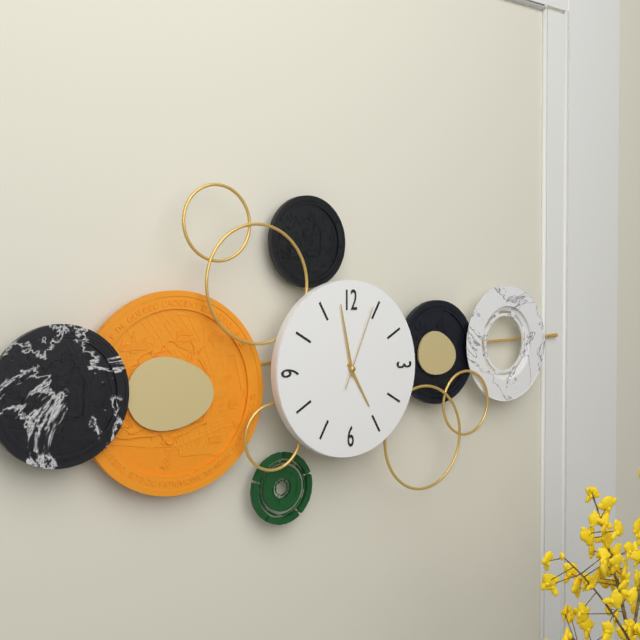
4.58.04
